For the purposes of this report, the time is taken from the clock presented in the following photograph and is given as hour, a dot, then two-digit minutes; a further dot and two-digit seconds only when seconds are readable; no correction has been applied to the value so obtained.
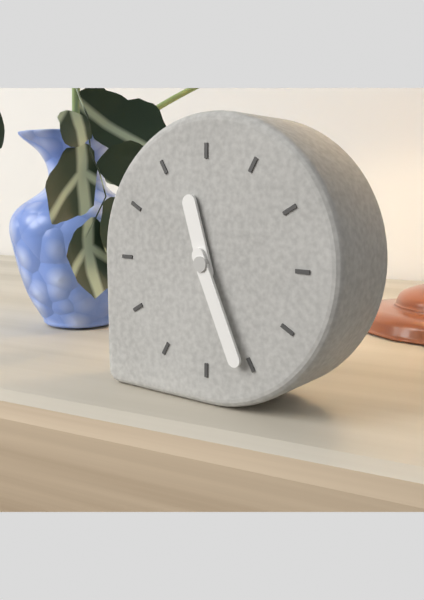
11.26
